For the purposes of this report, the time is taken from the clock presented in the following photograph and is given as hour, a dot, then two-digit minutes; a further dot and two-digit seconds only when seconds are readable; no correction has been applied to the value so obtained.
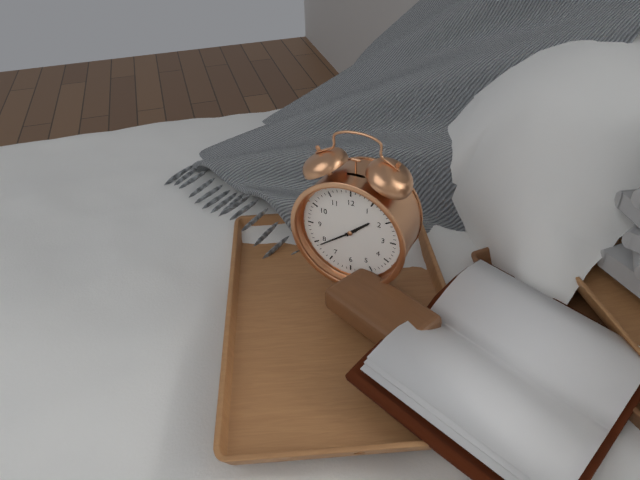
1.39
